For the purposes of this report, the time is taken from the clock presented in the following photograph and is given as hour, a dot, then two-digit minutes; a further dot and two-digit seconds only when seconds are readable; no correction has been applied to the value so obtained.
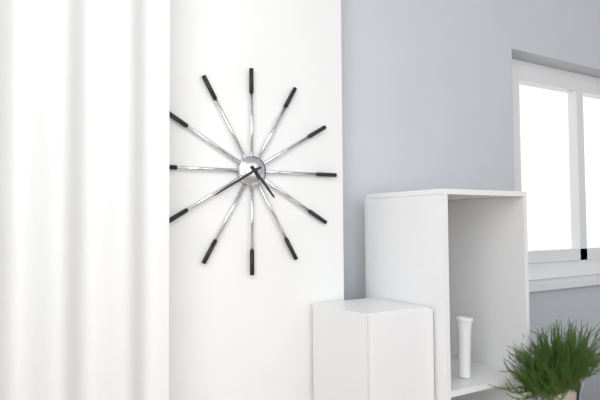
4.40
